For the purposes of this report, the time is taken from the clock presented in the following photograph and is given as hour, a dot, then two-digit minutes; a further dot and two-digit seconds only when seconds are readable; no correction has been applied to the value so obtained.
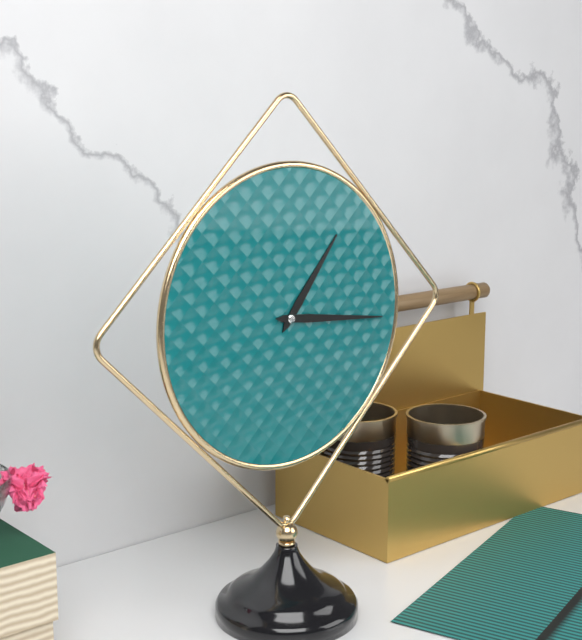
1.16
